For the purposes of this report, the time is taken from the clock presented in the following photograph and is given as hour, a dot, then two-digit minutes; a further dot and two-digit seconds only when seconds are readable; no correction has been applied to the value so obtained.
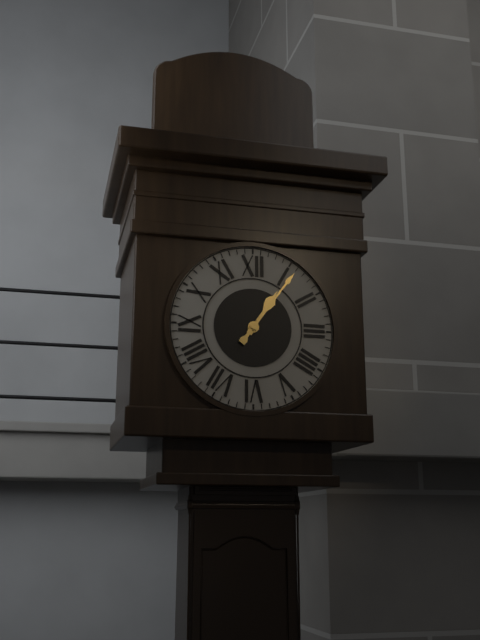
1.06
